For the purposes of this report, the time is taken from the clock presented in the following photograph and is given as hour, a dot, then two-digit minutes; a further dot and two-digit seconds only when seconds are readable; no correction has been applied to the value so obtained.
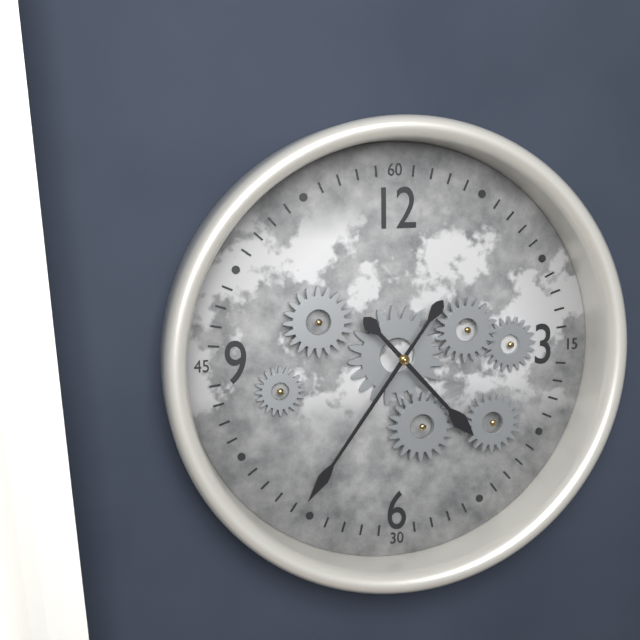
4.36
